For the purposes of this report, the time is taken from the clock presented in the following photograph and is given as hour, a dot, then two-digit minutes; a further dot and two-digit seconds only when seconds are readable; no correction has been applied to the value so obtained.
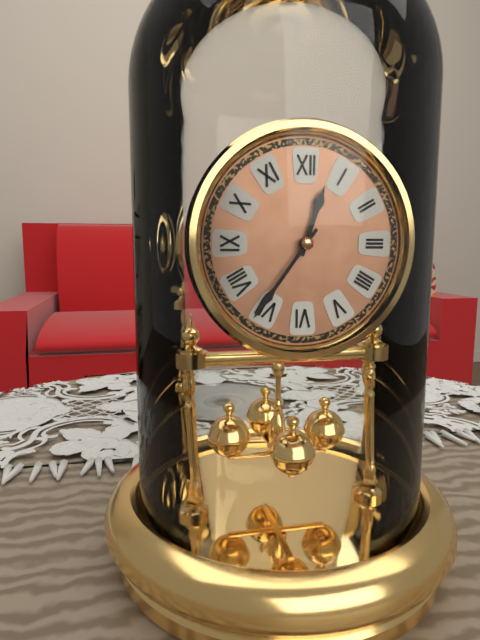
12.36
